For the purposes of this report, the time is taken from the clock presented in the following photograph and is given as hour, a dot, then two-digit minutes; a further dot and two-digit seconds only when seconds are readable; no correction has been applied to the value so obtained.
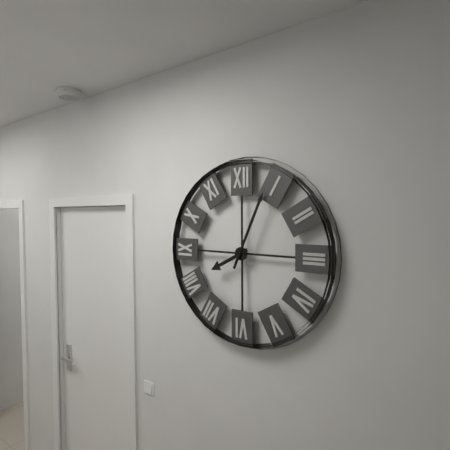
8.04
